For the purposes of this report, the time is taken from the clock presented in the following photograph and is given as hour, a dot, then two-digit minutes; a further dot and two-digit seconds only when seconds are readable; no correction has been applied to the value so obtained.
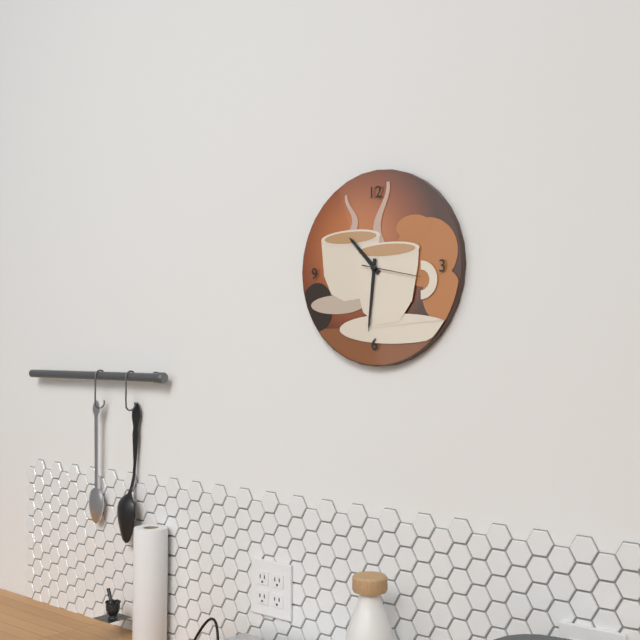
10.31.17
